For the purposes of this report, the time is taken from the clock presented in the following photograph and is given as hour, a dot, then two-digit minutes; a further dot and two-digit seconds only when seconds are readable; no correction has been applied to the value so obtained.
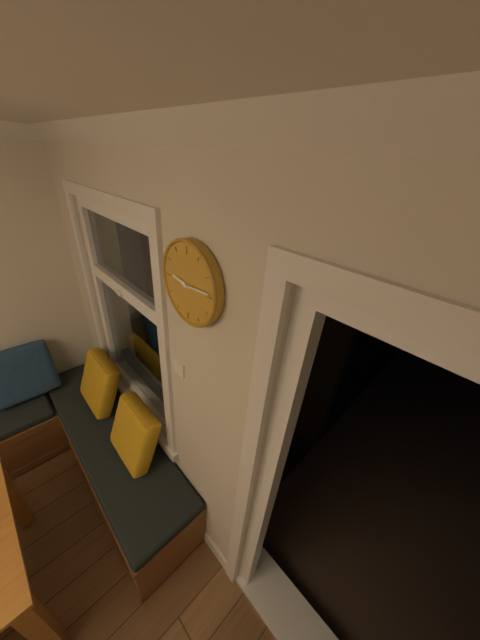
9.14
